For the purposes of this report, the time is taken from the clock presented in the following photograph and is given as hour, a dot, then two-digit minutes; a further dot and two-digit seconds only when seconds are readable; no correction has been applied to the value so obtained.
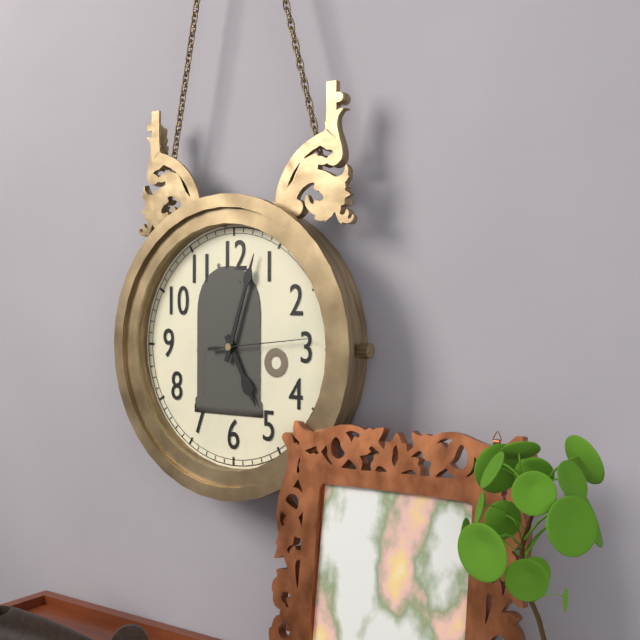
5.03.14
